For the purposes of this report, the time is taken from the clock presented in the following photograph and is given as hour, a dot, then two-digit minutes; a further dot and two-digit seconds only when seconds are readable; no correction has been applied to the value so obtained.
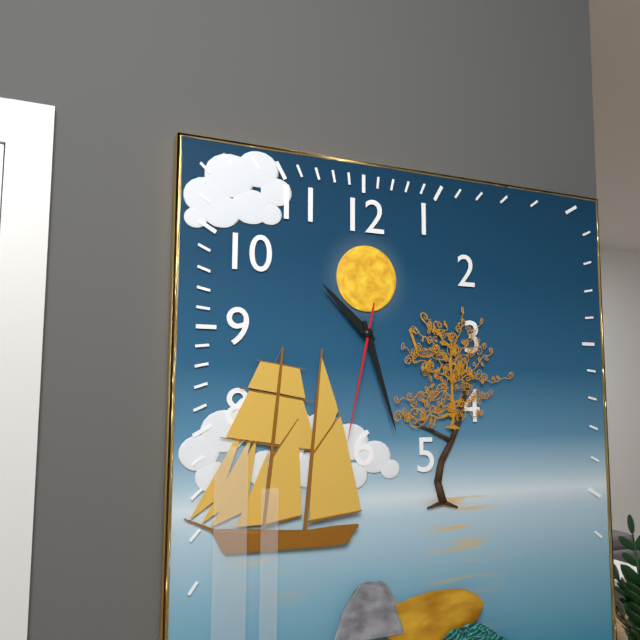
10.27.32
